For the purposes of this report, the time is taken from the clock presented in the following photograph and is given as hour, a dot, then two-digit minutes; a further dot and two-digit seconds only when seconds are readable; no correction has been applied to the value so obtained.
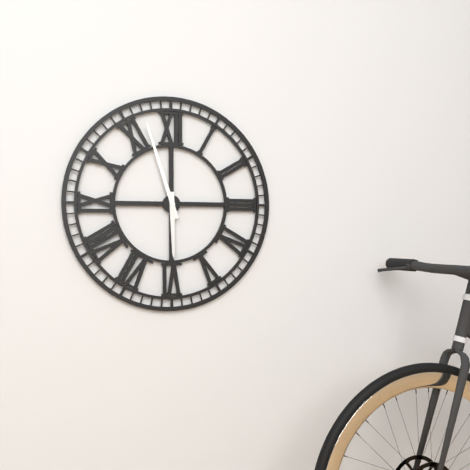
5.57
